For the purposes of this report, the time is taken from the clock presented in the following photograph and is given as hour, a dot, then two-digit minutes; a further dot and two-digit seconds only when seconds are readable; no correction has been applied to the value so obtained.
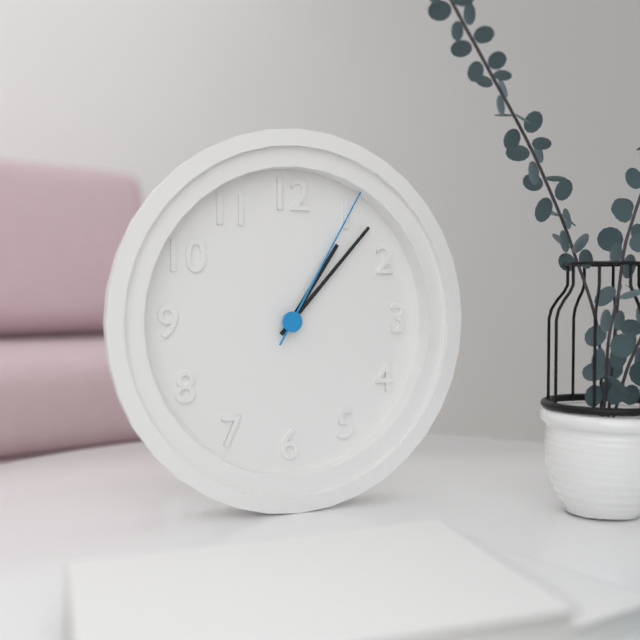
1.07.05
